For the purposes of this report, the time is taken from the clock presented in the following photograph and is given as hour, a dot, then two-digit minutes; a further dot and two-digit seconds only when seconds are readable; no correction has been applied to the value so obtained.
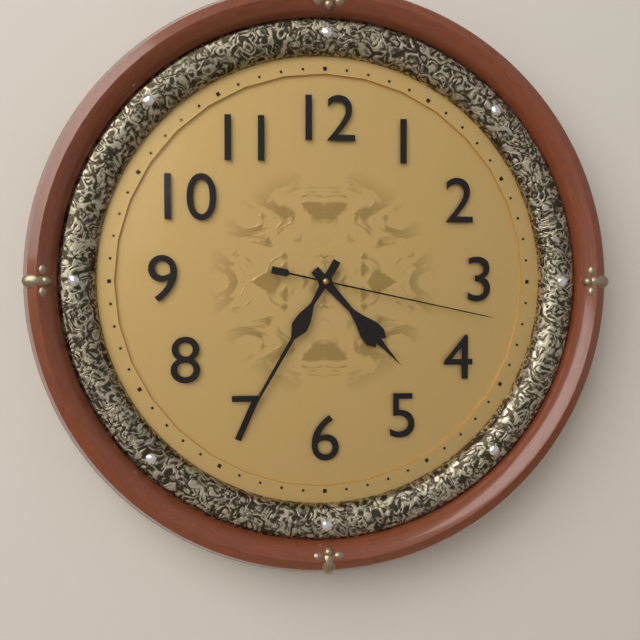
4.35.17
